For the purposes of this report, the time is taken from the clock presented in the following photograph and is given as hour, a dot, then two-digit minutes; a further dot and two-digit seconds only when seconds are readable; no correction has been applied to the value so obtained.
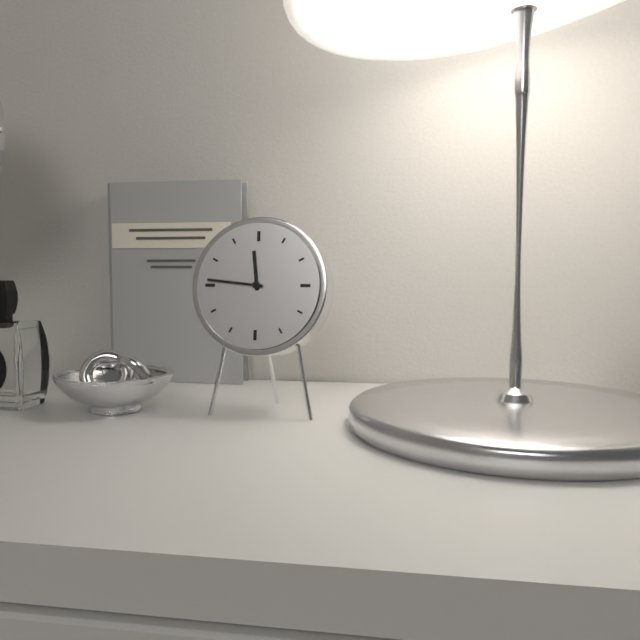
11.46
